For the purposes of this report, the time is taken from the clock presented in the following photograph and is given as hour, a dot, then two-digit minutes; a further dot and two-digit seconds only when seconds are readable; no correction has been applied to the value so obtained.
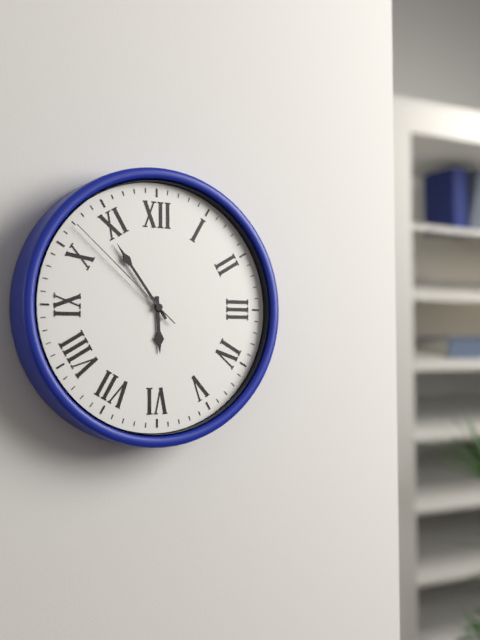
5.54.52
